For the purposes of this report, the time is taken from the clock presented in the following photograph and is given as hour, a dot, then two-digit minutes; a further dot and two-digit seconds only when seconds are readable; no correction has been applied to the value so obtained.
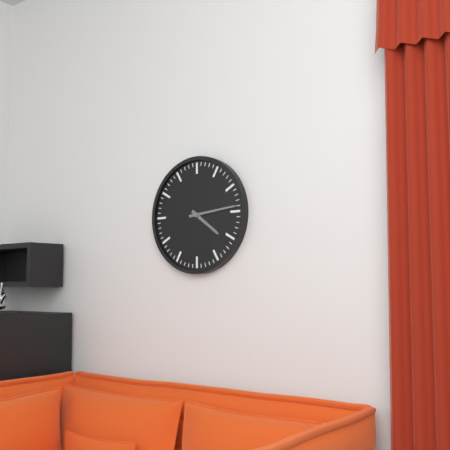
4.14
